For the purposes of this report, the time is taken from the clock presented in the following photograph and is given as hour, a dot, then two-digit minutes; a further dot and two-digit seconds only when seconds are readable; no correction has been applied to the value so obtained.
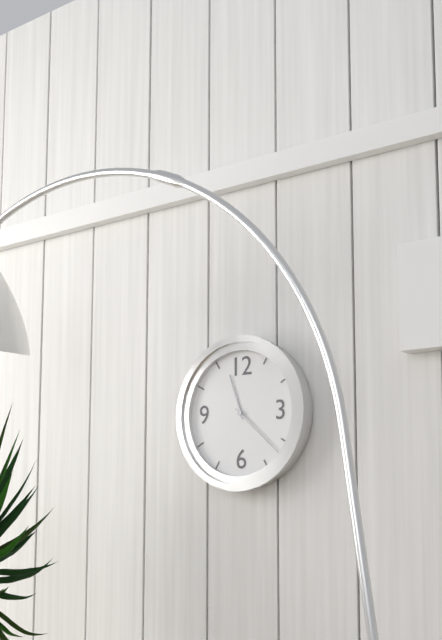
11.22
